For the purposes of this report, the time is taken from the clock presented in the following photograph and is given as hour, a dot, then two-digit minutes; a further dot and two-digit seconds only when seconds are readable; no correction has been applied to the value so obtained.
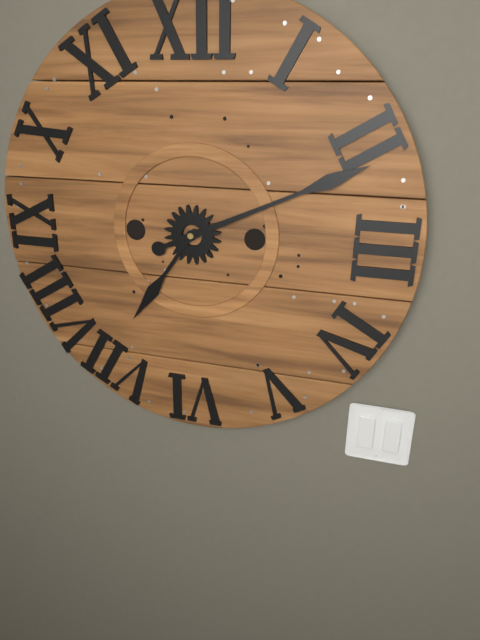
7.11
